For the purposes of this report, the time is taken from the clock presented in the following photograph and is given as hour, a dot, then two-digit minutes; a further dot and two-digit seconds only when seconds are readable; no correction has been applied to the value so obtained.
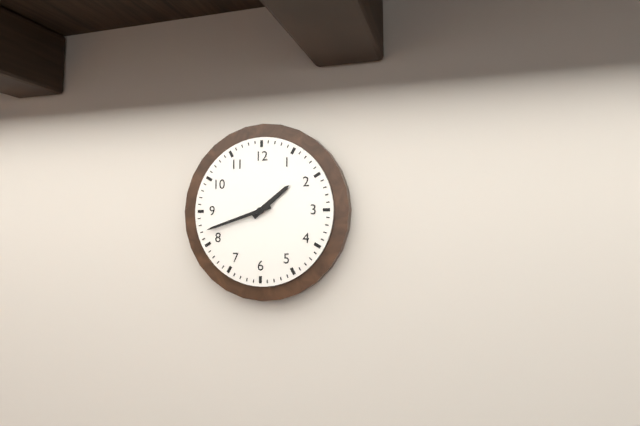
1.42
